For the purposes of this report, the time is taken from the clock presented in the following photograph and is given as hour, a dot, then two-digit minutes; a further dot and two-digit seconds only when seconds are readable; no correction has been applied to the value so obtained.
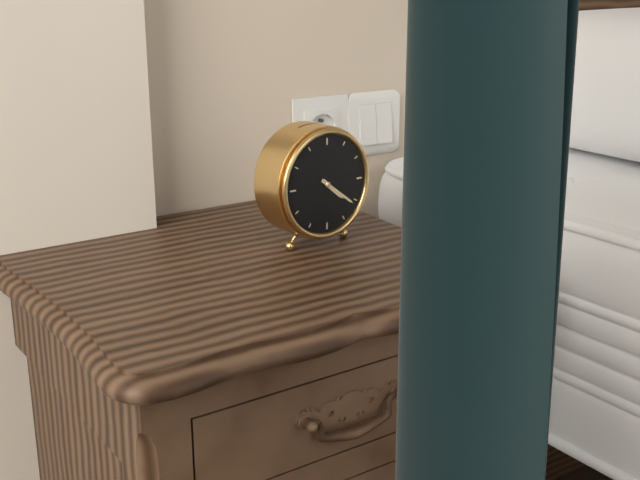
4.21
